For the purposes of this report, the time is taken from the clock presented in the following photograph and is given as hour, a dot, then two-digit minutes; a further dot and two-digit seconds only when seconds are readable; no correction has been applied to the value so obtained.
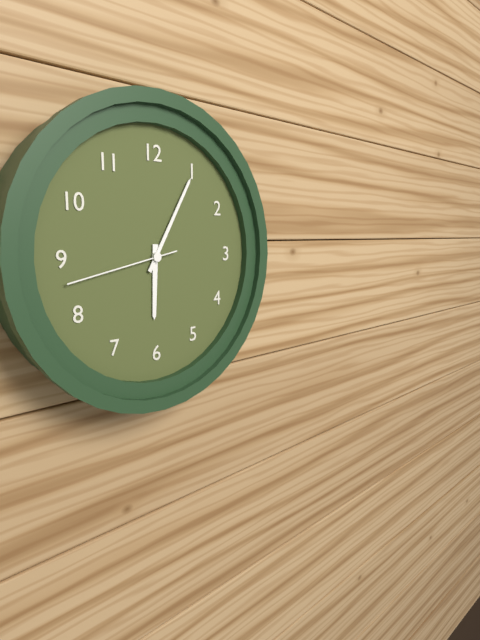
6.05.43
